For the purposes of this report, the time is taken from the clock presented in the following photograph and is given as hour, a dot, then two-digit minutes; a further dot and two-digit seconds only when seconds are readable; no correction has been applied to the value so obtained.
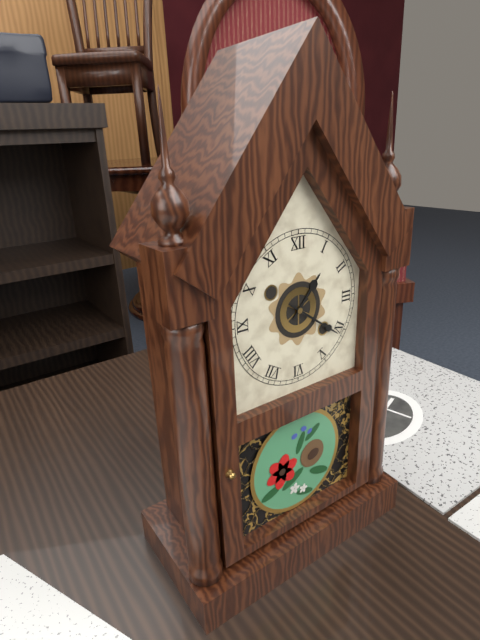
1.21
